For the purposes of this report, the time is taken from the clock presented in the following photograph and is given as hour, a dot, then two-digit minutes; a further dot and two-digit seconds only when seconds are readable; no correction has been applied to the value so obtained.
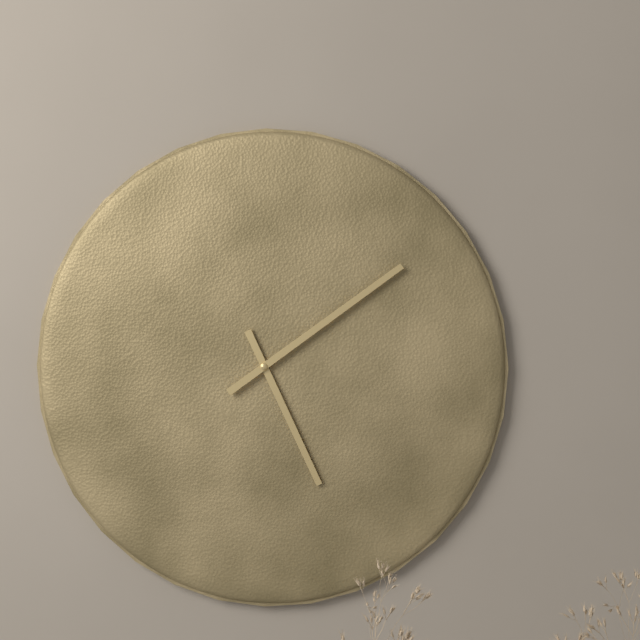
5.09
